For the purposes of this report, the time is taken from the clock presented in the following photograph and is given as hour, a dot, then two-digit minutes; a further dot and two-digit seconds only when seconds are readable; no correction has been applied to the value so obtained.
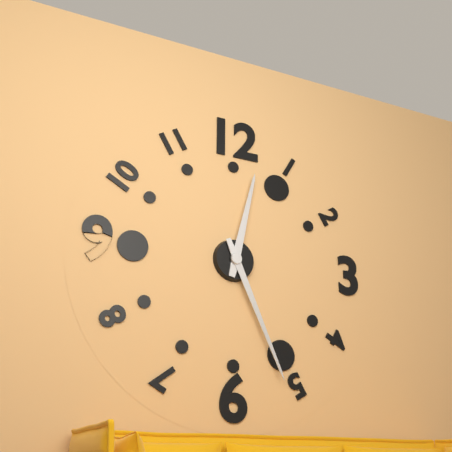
12.26
